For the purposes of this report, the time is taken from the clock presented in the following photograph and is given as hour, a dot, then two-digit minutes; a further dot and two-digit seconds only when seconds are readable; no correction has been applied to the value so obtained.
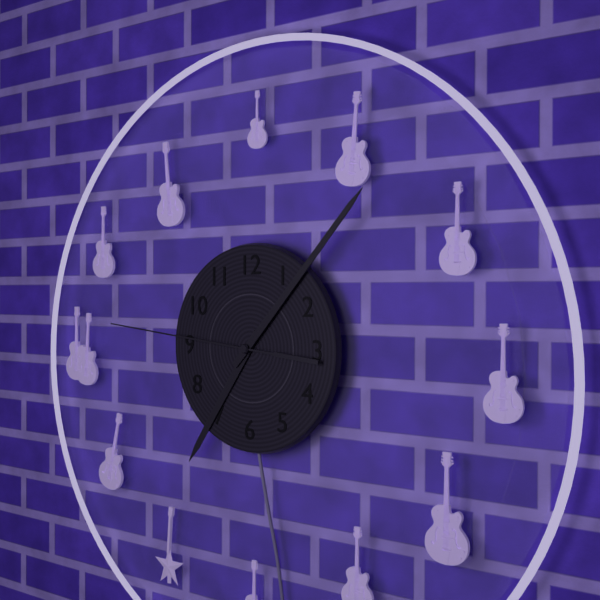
7.07.46
